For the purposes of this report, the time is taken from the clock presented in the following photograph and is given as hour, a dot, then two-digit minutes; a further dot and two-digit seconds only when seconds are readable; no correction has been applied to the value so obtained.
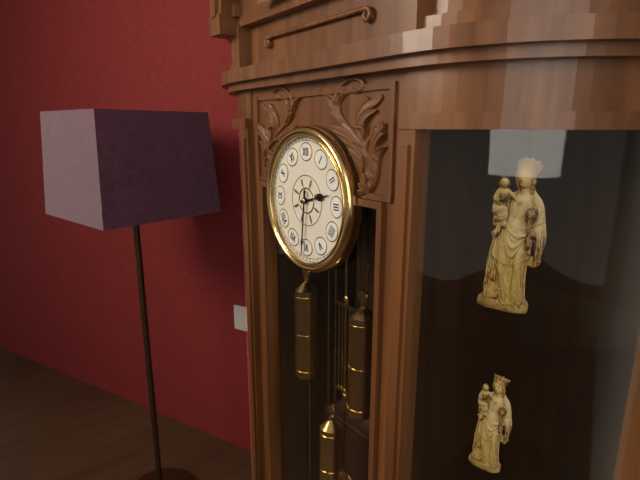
2.31
